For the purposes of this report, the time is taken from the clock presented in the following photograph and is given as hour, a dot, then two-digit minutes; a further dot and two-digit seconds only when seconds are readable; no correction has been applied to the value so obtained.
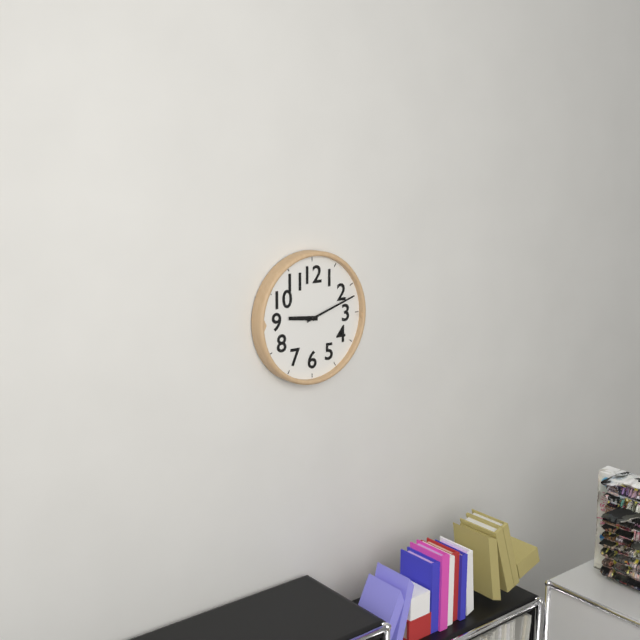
9.12
